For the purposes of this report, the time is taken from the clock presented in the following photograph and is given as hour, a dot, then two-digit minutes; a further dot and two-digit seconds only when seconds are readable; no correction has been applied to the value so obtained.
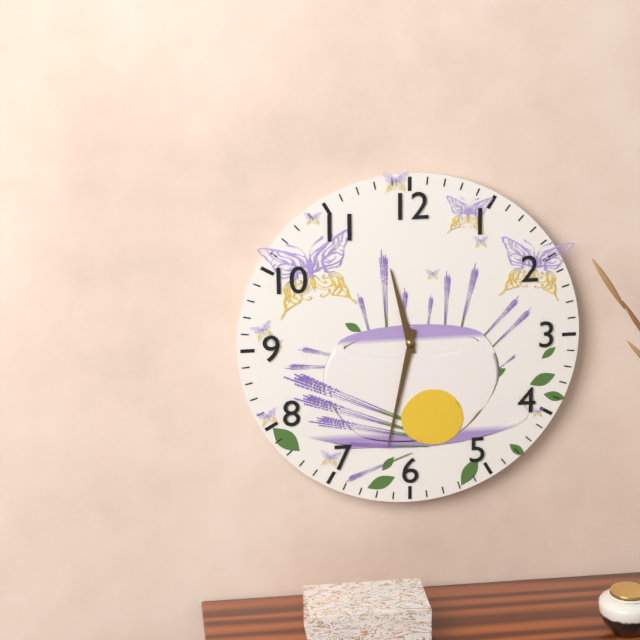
11.32
